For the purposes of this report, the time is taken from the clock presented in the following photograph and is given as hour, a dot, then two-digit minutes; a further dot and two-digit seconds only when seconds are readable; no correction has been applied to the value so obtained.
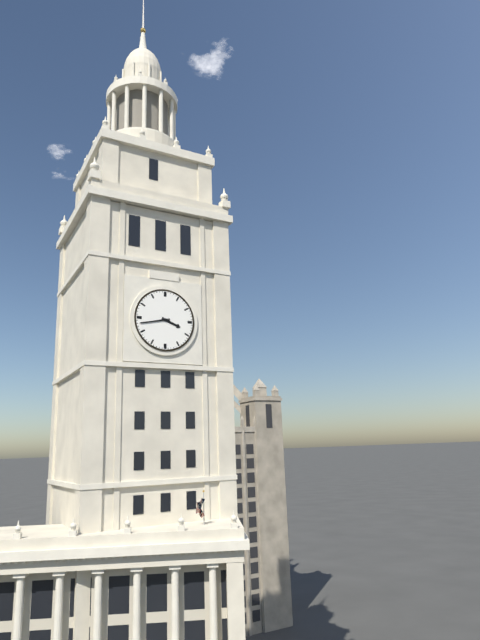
3.43
